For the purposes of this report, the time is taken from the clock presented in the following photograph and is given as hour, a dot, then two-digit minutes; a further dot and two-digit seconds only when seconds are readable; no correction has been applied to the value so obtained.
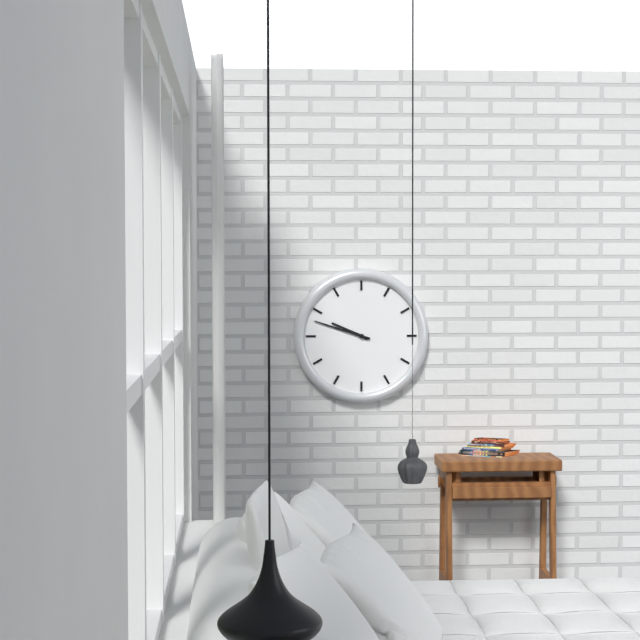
9.48
